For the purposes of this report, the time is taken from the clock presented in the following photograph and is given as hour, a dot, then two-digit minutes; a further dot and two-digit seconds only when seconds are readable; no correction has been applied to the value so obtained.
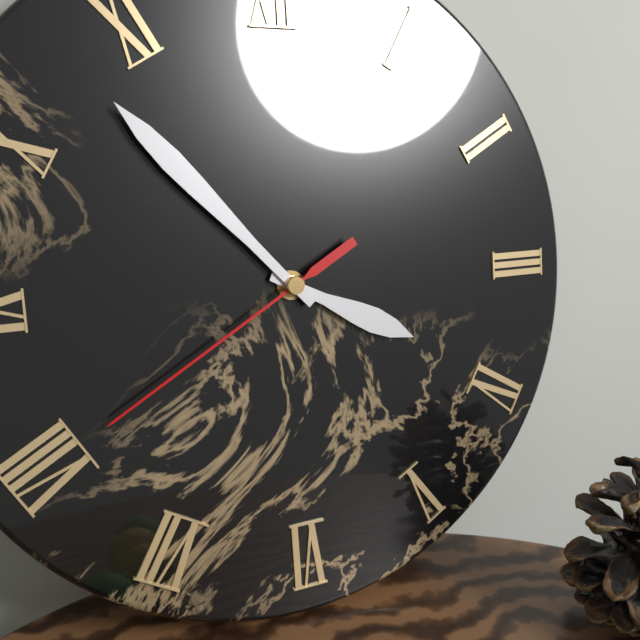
3.53.40
